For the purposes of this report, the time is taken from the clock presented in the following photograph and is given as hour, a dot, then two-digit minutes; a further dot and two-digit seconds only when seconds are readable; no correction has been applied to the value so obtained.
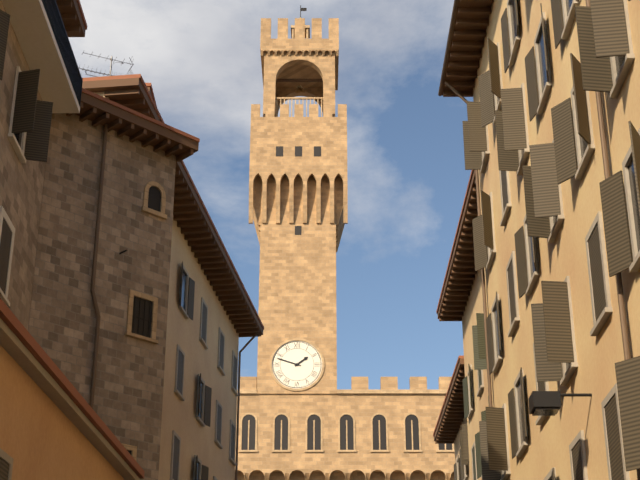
1.48
